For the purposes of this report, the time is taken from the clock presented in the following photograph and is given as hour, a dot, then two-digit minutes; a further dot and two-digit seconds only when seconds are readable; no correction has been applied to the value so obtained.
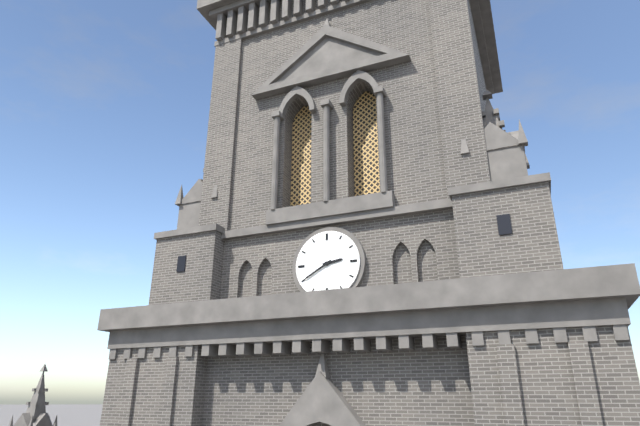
2.40
